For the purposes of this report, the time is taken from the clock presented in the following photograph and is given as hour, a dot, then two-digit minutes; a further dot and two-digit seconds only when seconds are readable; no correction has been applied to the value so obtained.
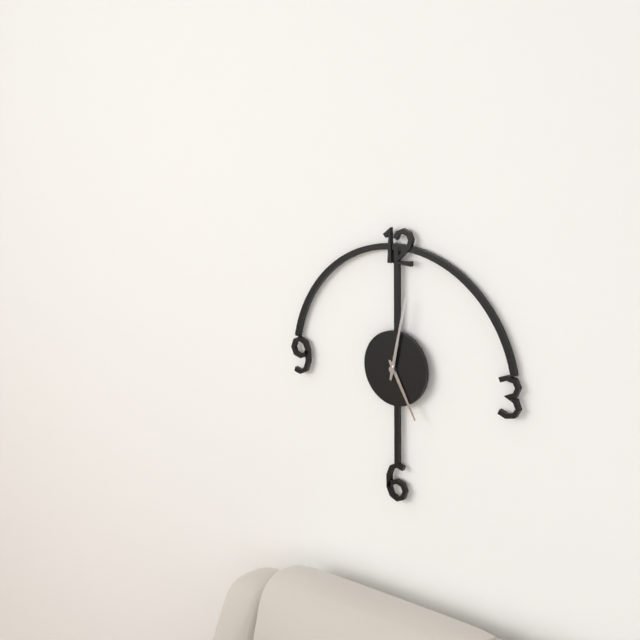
5.02
